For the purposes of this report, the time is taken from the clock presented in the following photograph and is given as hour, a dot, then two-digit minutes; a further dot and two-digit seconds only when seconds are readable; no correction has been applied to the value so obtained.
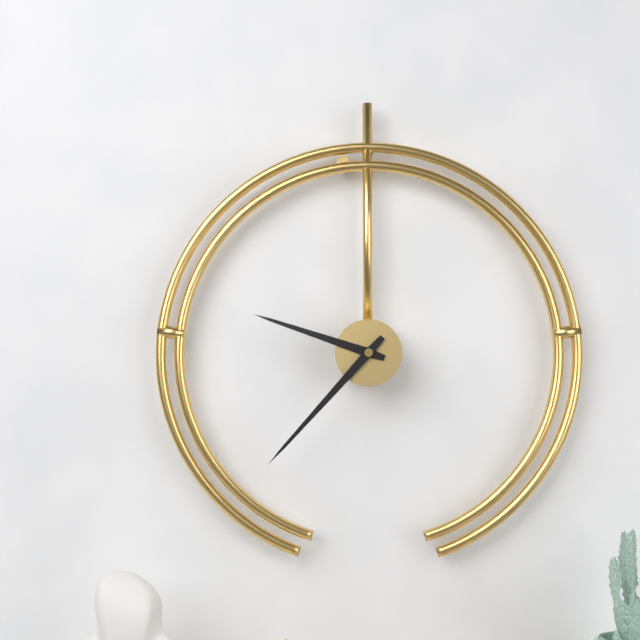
9.37
